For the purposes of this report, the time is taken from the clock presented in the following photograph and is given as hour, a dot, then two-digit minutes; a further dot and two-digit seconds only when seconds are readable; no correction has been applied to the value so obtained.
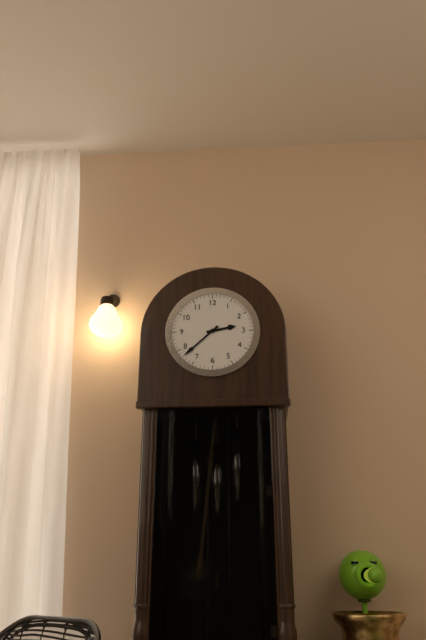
2.38
